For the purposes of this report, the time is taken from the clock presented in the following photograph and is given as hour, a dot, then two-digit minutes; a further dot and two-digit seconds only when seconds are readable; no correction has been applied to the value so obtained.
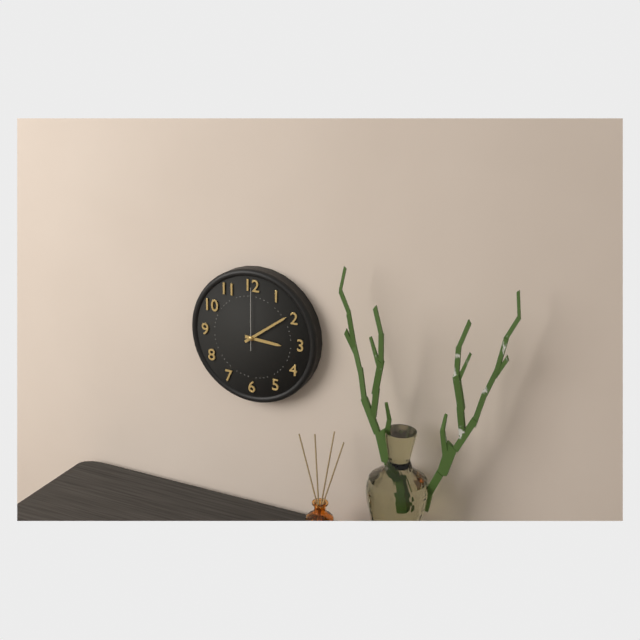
3.09.00
